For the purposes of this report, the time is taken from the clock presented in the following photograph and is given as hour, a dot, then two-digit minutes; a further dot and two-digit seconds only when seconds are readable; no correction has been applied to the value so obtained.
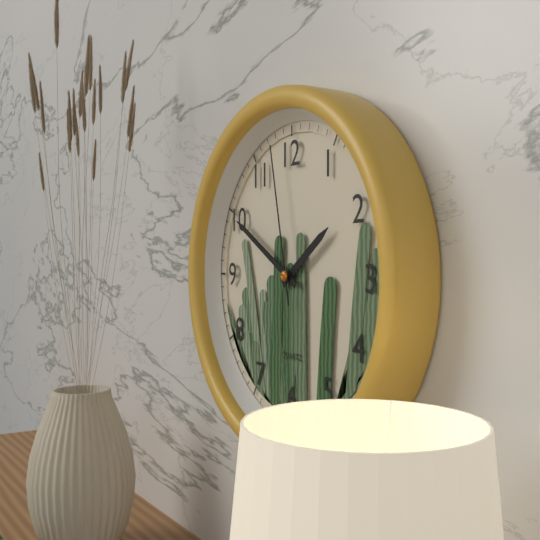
1.50.58
